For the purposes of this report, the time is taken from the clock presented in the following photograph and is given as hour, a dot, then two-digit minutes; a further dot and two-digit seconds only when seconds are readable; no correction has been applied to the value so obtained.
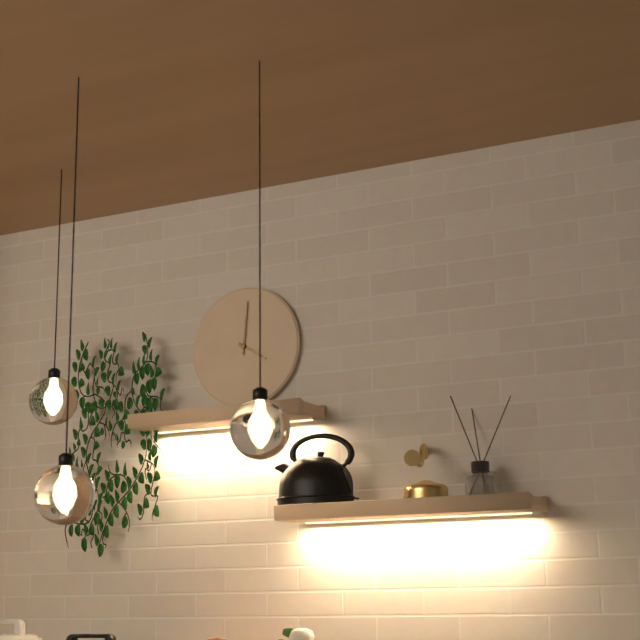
4.01
